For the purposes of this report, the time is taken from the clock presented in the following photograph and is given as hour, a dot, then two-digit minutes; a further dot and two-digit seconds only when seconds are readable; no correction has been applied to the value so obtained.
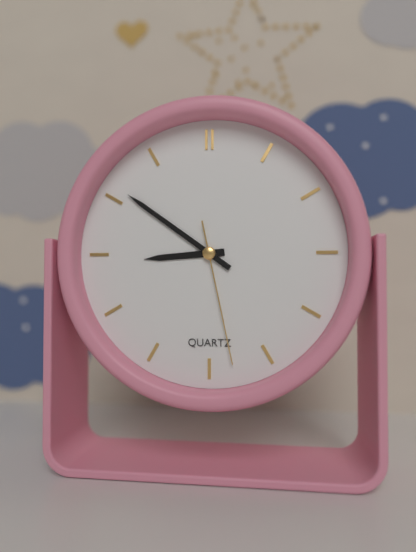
8.51.28
